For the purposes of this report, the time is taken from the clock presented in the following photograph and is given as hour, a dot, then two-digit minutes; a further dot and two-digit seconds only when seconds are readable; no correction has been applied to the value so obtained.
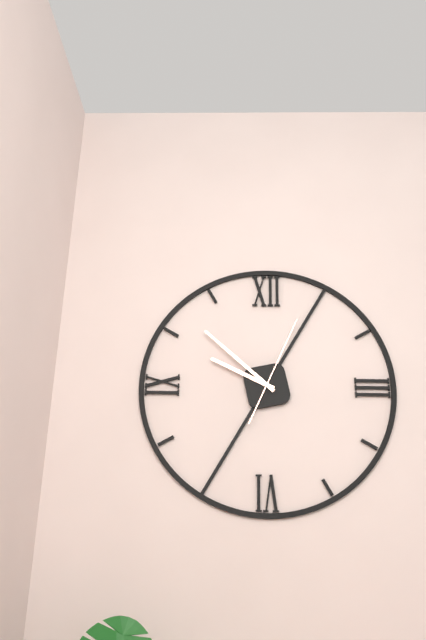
9.52.04
